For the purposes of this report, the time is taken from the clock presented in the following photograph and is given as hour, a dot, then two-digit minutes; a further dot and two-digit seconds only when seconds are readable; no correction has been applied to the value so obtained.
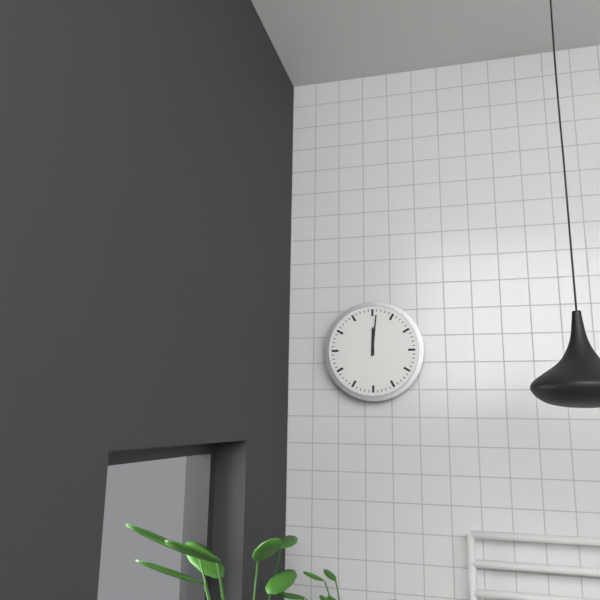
12.01
